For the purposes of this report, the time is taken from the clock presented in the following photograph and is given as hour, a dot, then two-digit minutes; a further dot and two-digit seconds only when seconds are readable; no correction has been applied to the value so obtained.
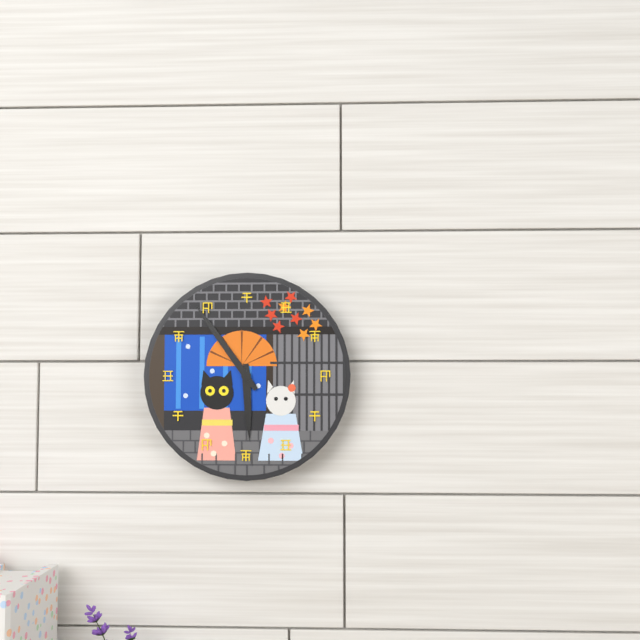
5.54
